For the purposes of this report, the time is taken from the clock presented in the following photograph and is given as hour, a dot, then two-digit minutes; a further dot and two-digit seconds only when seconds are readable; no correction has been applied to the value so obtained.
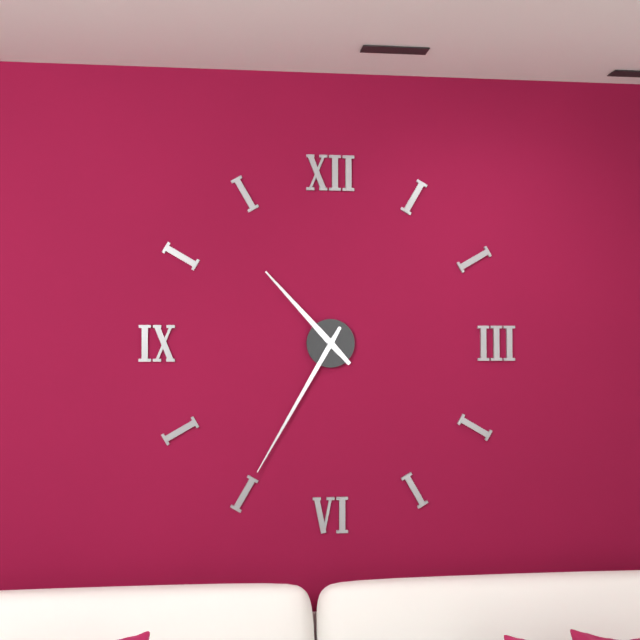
10.35
